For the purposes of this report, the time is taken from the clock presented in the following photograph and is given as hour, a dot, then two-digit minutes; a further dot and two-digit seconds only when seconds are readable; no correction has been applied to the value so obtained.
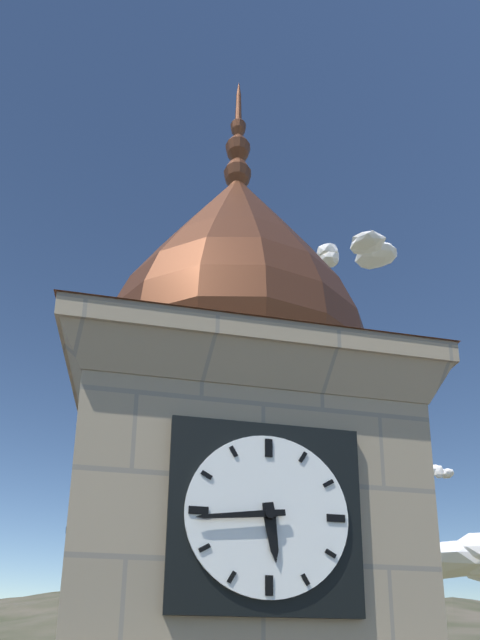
5.44
